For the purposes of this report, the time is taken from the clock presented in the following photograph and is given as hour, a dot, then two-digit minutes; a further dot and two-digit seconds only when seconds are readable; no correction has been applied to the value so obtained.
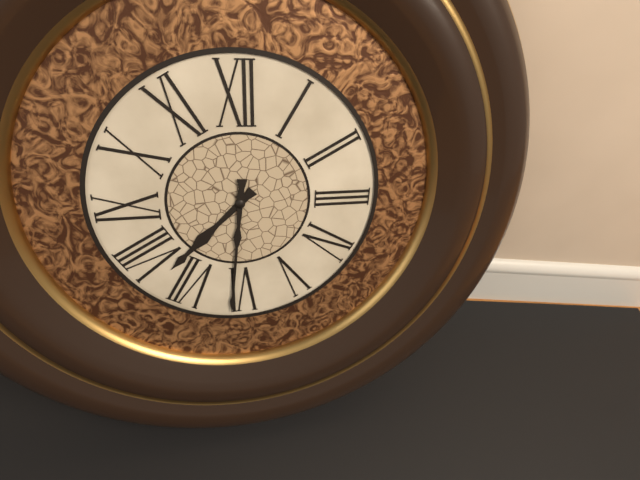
7.31
